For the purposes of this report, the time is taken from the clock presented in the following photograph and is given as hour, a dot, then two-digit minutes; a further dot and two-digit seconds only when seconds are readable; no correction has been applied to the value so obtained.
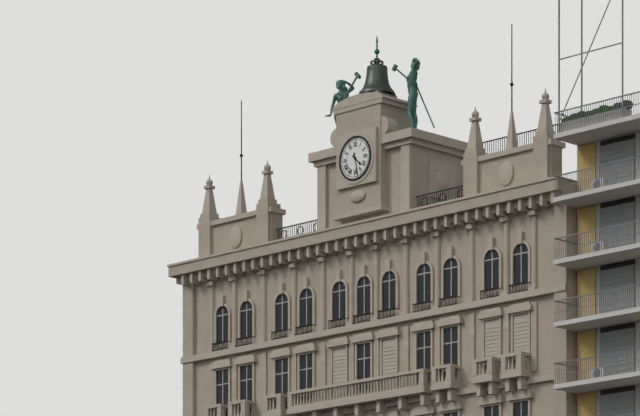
4.28
